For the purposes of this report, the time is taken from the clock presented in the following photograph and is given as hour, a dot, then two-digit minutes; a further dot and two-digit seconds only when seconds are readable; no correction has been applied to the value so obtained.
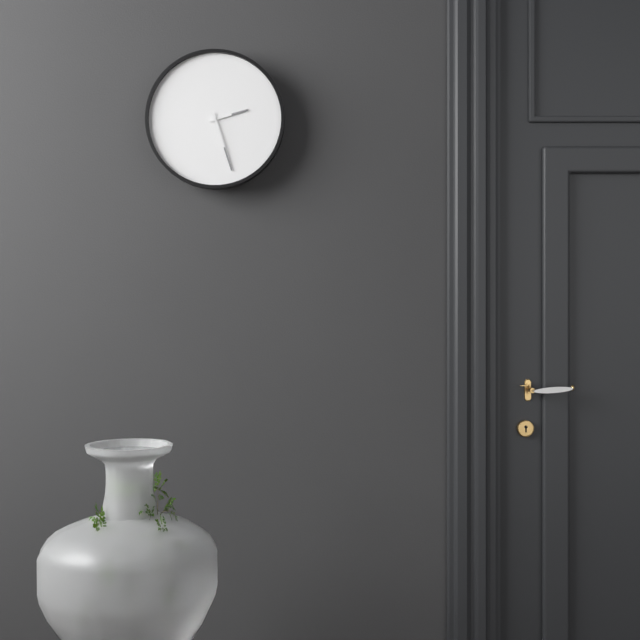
2.27
